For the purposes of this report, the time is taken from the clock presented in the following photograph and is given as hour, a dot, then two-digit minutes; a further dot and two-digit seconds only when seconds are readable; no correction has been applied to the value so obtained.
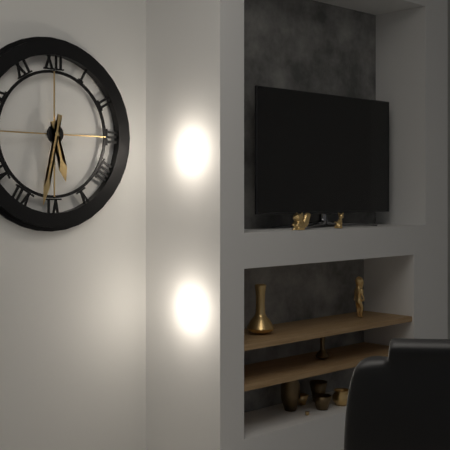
5.32
